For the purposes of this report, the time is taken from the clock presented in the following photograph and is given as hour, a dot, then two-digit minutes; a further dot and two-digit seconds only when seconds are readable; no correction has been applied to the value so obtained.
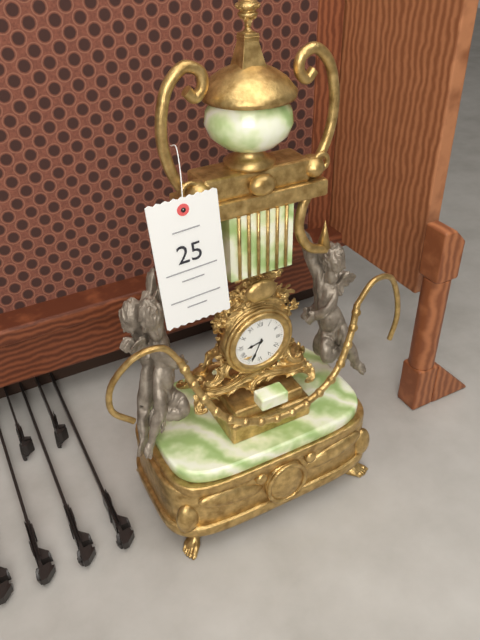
8.34
